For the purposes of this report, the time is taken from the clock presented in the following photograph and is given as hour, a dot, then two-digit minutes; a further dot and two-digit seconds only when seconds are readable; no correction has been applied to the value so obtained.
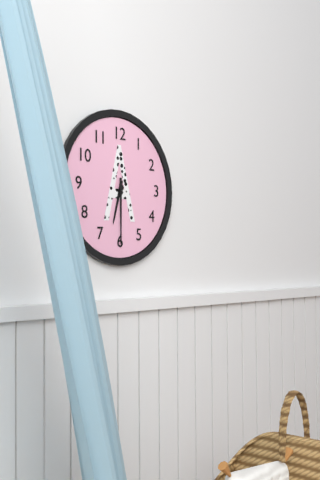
6.30
